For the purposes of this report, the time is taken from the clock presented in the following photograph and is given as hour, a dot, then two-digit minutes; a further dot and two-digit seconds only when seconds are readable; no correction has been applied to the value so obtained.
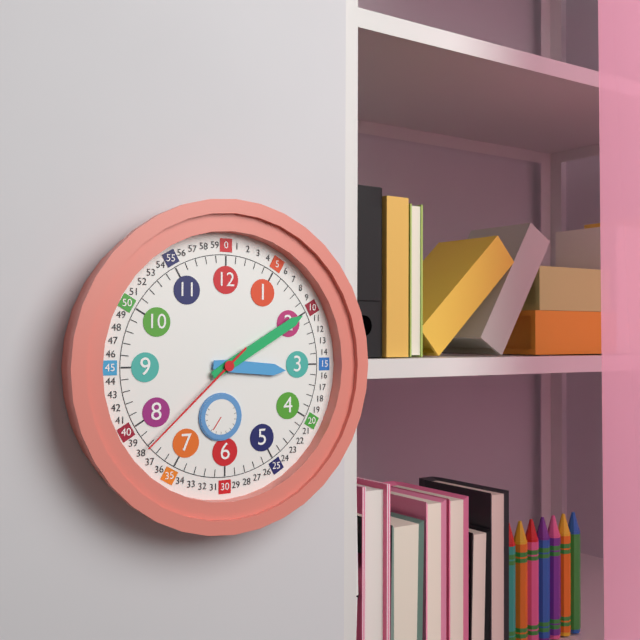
3.10.38
